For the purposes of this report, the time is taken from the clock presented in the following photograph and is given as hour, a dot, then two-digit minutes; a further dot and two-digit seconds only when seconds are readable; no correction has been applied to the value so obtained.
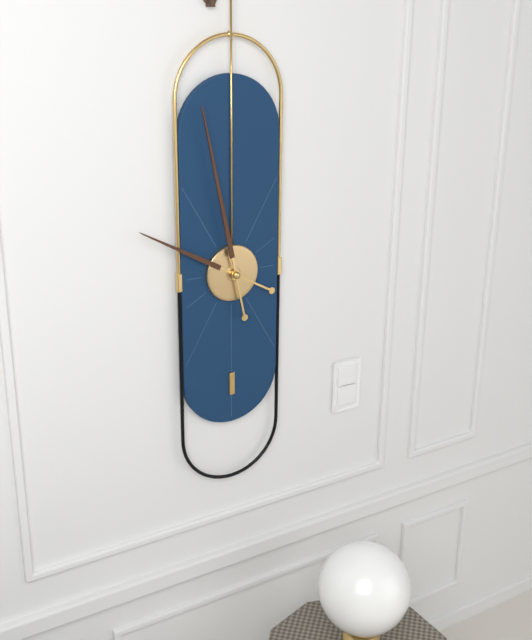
9.58
